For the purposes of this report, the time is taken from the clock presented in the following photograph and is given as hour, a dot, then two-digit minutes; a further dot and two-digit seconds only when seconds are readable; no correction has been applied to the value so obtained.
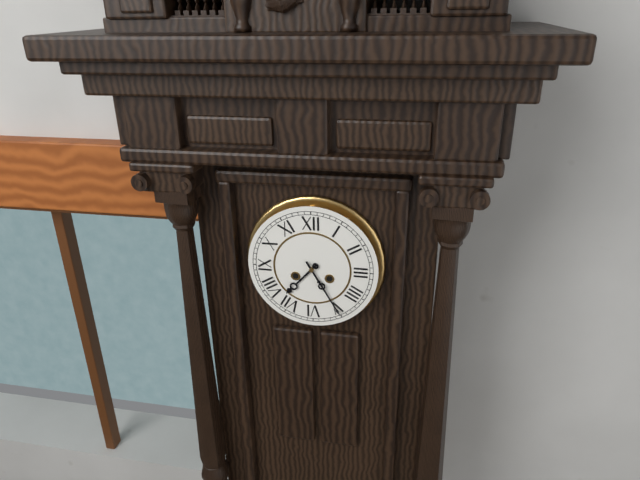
7.25
